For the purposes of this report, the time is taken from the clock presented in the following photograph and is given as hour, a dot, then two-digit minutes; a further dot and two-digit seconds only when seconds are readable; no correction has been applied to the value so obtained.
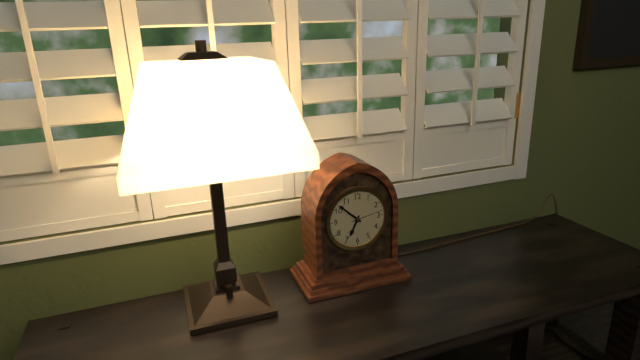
6.52
